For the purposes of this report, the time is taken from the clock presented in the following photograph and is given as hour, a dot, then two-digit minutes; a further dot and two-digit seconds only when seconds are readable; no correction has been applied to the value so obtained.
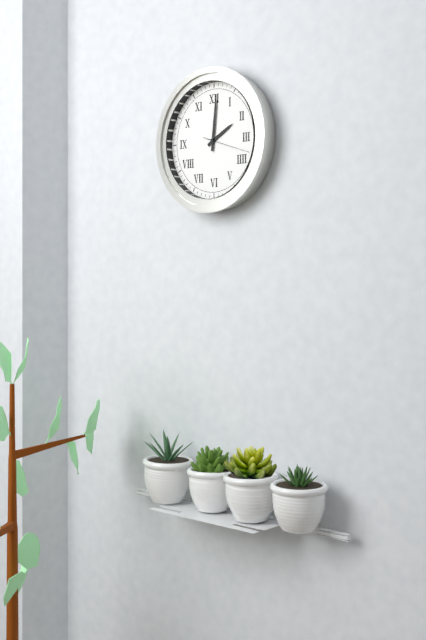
2.01
